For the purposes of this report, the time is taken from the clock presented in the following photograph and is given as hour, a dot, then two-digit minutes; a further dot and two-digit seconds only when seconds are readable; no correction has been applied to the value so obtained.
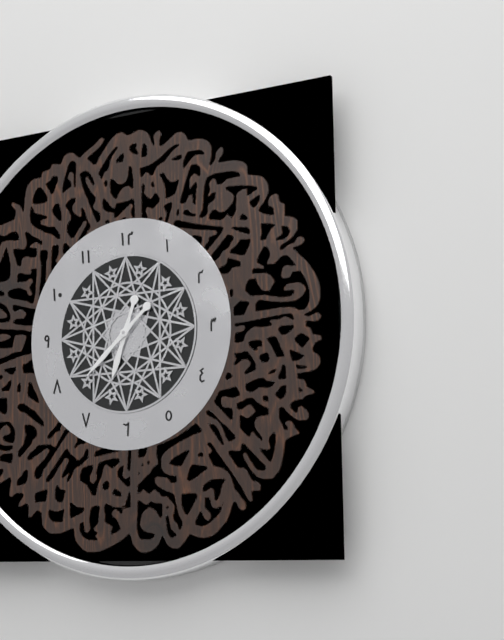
6.38
